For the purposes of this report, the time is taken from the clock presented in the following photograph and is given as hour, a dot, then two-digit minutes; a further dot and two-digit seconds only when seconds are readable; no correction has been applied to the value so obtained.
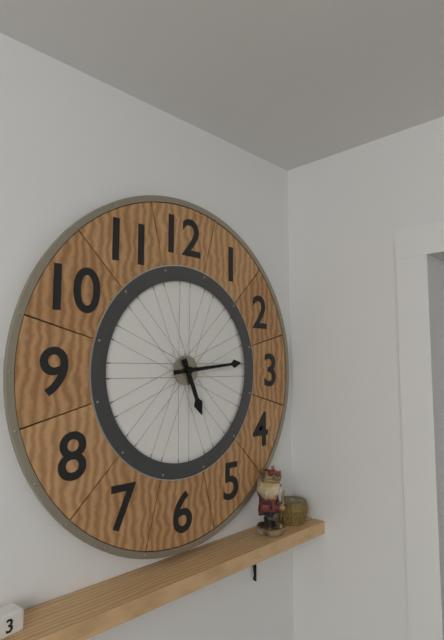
5.14
